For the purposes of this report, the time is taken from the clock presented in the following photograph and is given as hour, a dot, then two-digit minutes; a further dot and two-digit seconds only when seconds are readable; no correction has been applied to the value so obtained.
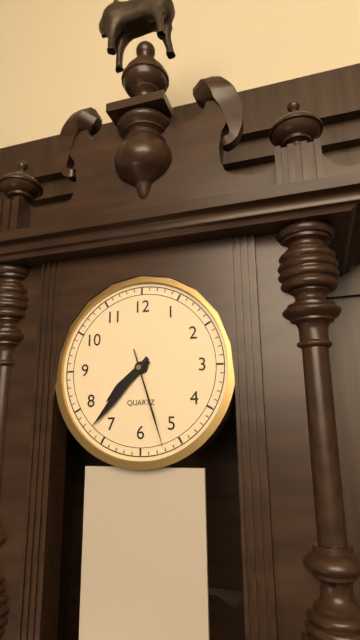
7.37.27
